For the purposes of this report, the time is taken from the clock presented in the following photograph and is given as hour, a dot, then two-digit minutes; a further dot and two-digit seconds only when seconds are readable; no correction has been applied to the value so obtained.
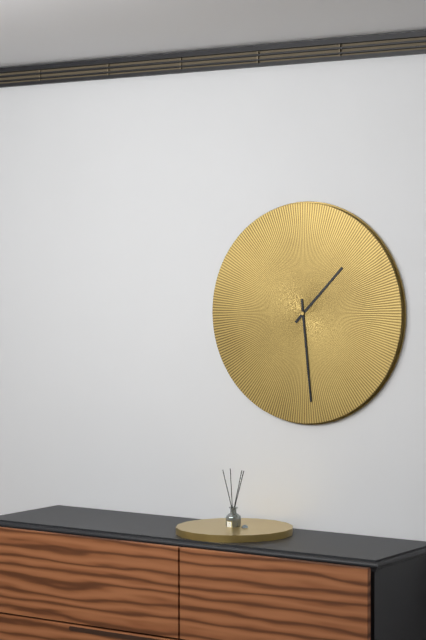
1.29
